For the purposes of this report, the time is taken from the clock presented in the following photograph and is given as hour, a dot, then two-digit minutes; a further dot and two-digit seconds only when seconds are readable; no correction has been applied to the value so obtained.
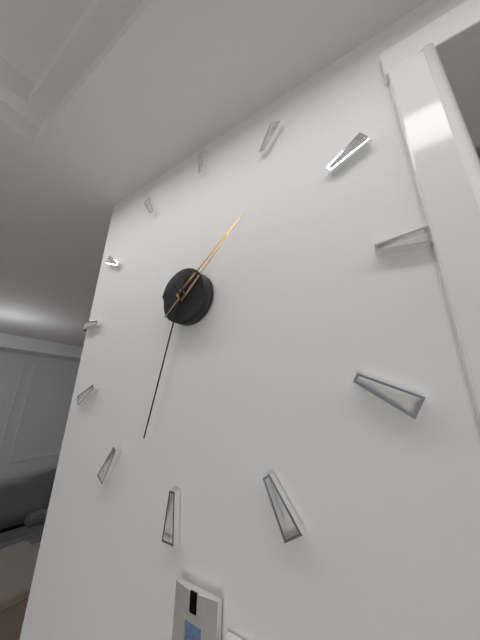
1.32
